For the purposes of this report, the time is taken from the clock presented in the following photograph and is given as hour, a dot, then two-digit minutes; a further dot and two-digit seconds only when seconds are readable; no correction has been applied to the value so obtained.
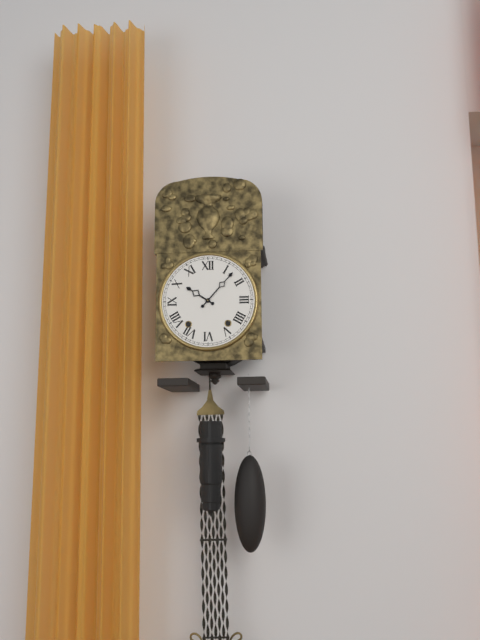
10.07
